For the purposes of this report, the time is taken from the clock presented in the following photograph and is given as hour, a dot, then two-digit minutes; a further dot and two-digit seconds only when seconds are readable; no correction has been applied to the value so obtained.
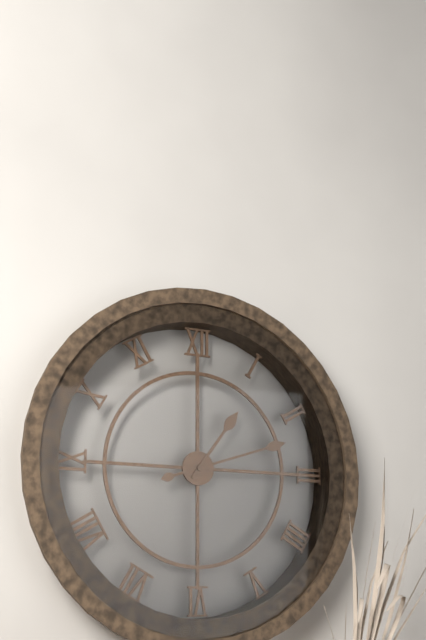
1.12
